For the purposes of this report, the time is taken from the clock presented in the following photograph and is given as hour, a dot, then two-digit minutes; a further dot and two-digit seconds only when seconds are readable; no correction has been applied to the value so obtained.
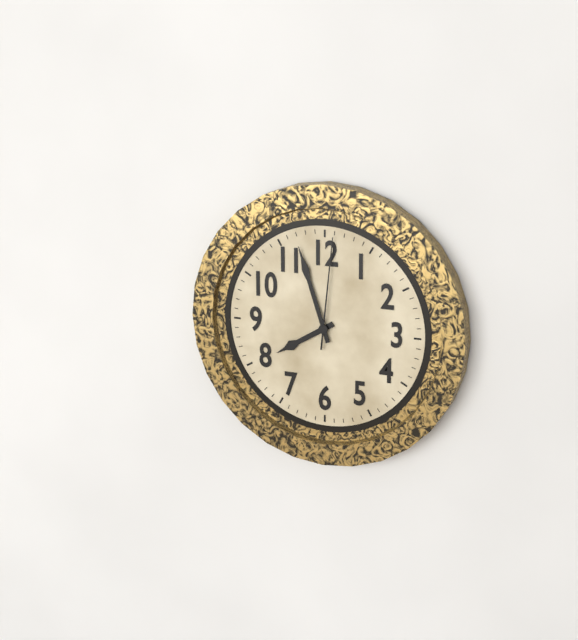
7.57.01
